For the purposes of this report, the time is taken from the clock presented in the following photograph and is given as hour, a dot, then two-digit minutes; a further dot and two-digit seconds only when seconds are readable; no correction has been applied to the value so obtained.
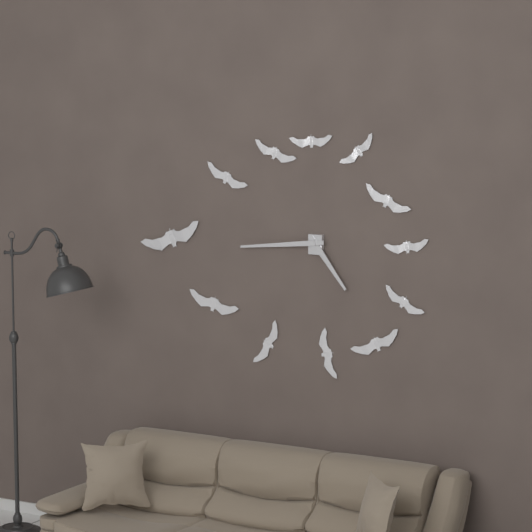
4.44
